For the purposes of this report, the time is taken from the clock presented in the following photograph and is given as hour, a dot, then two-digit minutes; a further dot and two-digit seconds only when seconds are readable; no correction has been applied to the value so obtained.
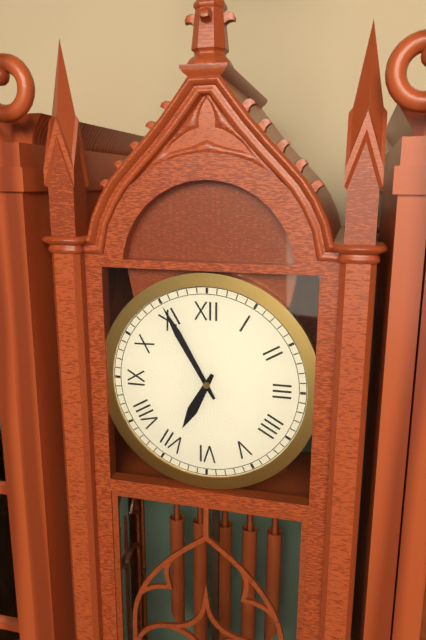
6.55
